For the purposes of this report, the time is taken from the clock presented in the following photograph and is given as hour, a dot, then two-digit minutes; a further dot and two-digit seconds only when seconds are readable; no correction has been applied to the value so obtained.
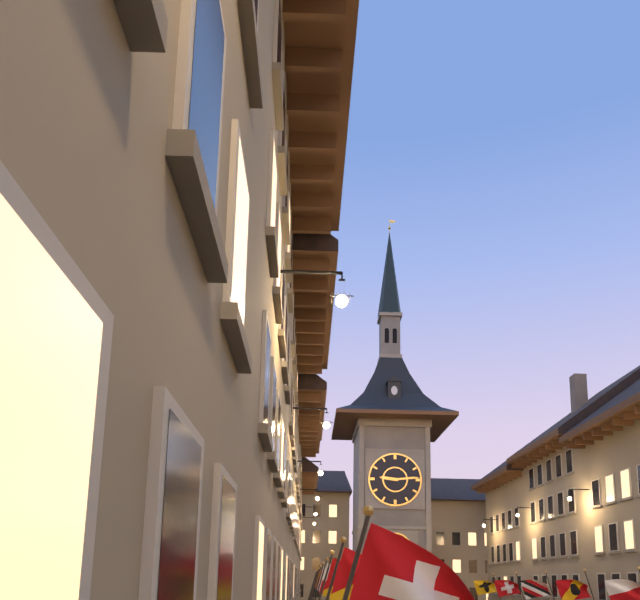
9.14
